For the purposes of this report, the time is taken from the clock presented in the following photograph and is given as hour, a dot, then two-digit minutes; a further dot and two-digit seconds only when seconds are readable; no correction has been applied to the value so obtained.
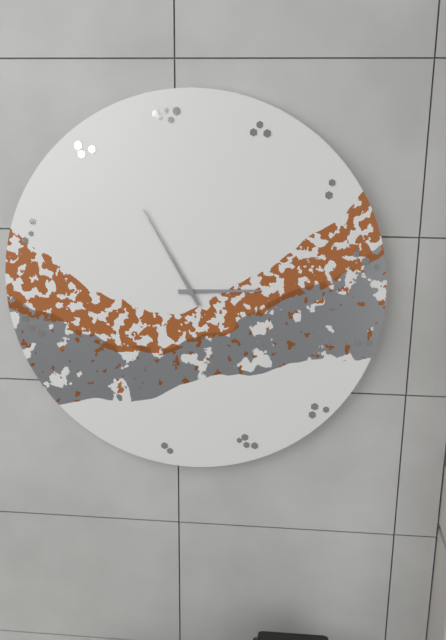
2.55
